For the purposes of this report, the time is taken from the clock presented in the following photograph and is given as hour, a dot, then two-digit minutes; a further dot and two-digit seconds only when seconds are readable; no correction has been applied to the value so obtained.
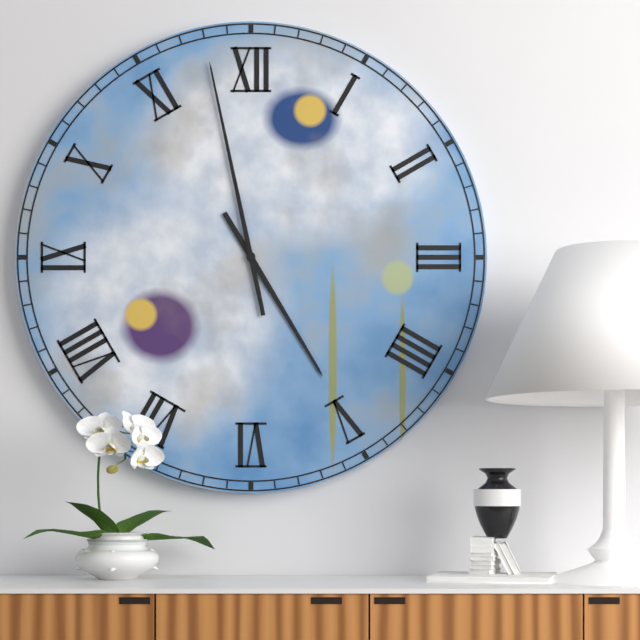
4.58
